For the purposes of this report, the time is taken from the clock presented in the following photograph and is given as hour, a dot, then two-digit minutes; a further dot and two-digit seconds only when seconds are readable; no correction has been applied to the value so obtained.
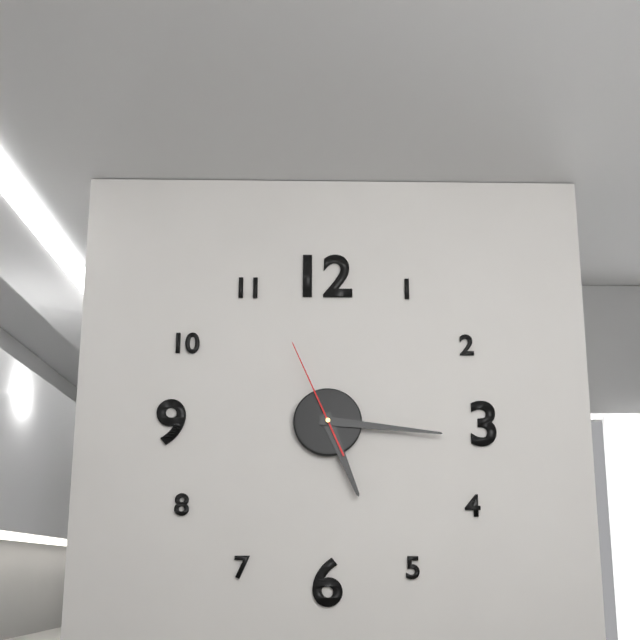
5.16.56
